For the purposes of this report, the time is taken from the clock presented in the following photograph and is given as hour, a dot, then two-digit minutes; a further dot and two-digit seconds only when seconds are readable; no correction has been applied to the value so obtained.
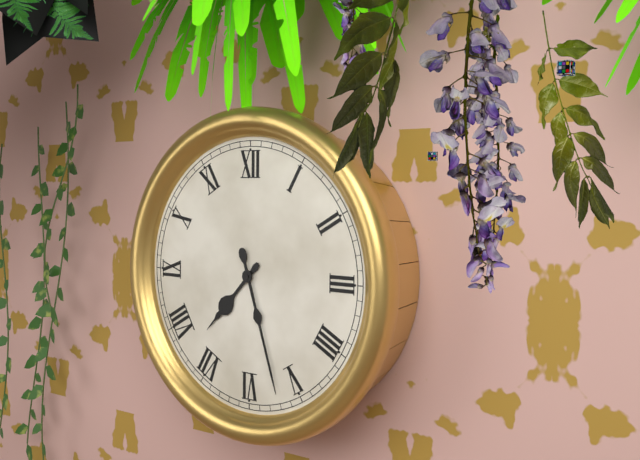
7.27
